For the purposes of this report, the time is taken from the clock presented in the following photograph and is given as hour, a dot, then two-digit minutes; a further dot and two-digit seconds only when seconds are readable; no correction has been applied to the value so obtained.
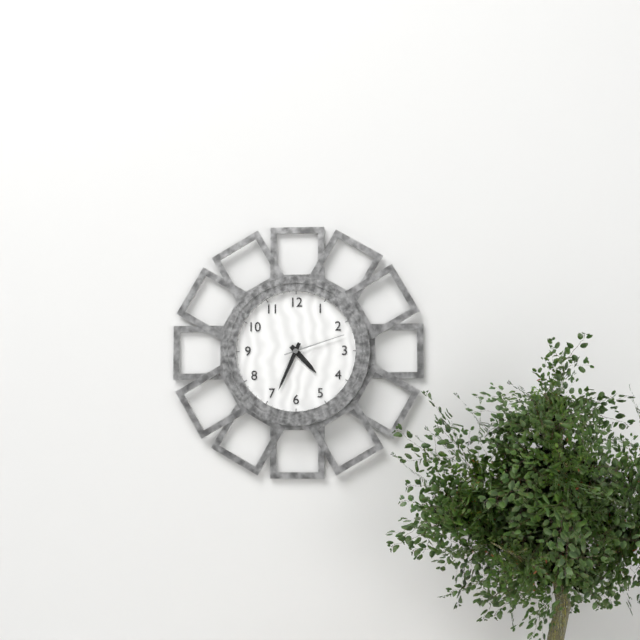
4.34.12
